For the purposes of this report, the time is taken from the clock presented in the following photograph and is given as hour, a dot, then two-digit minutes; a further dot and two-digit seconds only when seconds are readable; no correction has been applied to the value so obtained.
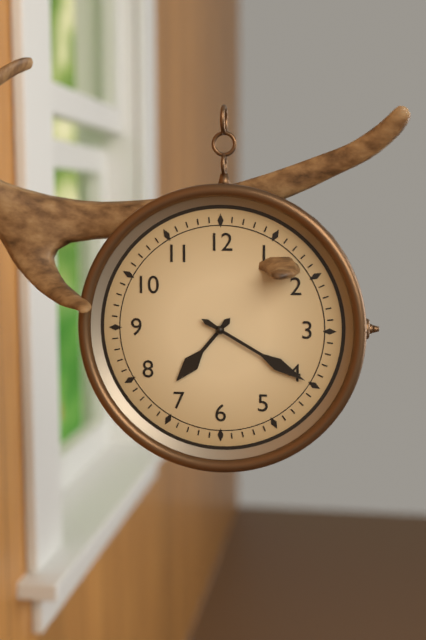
7.20
